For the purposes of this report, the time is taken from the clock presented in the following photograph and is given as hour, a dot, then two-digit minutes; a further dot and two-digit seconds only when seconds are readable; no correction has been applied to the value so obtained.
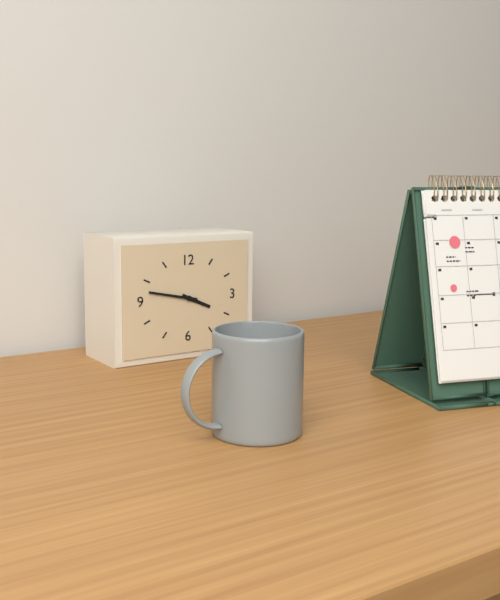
3.47
